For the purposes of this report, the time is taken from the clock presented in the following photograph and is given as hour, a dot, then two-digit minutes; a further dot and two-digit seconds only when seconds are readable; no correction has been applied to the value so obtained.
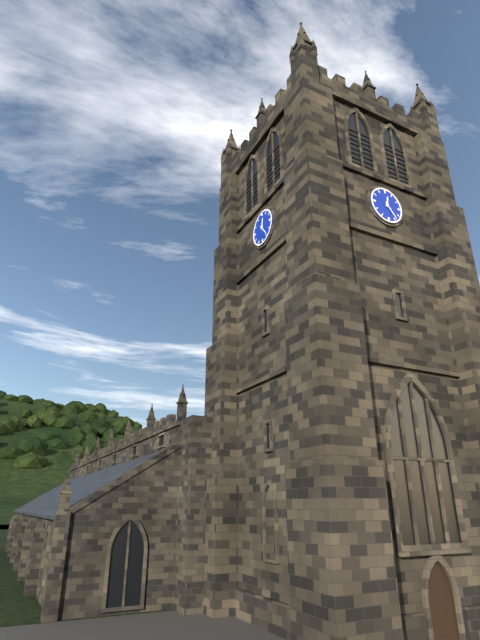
12.24
